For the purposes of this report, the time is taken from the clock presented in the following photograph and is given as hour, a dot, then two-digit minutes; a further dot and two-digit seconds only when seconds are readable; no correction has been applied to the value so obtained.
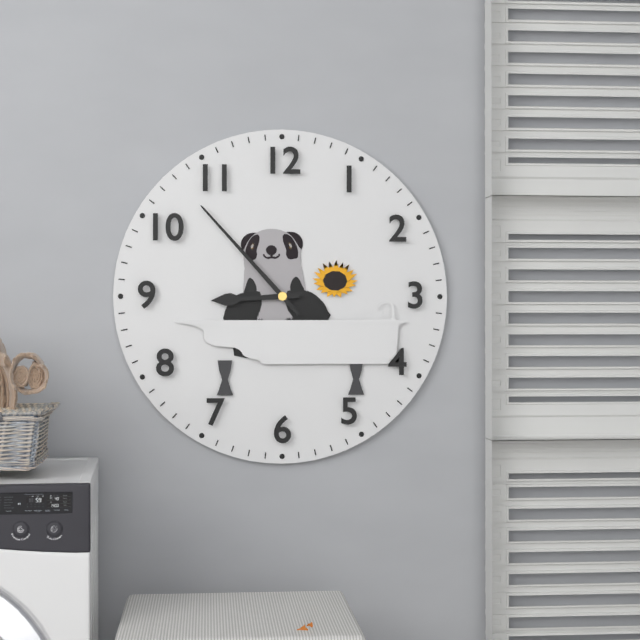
8.53
